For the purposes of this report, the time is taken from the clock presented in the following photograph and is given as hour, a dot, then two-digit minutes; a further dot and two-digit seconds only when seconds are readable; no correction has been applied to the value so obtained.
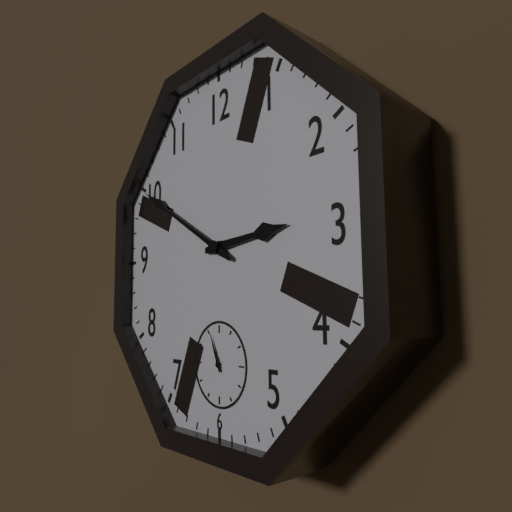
2.50
